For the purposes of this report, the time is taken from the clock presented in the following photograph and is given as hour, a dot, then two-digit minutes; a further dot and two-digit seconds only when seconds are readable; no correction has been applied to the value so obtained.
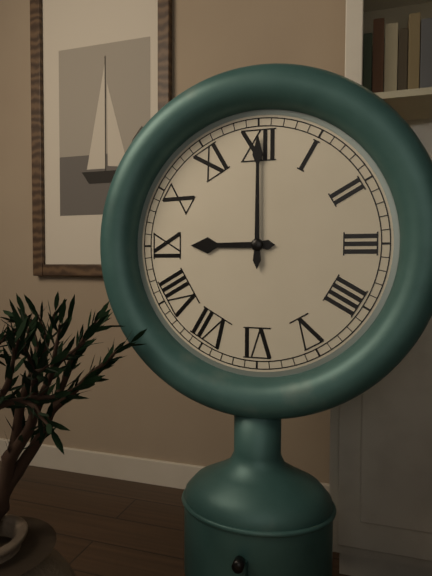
9.00
